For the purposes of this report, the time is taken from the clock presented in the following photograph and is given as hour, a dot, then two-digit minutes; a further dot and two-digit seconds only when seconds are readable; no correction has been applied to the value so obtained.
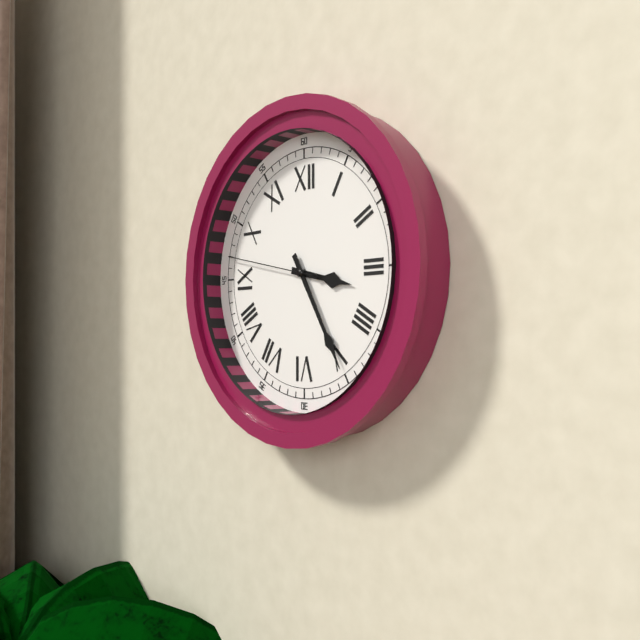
3.25.47
